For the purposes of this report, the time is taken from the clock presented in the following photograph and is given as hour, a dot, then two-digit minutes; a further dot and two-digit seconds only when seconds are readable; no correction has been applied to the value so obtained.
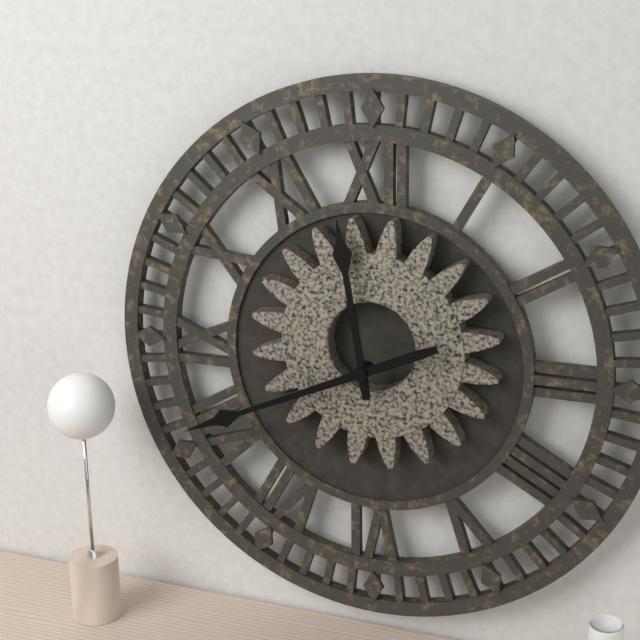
11.41
